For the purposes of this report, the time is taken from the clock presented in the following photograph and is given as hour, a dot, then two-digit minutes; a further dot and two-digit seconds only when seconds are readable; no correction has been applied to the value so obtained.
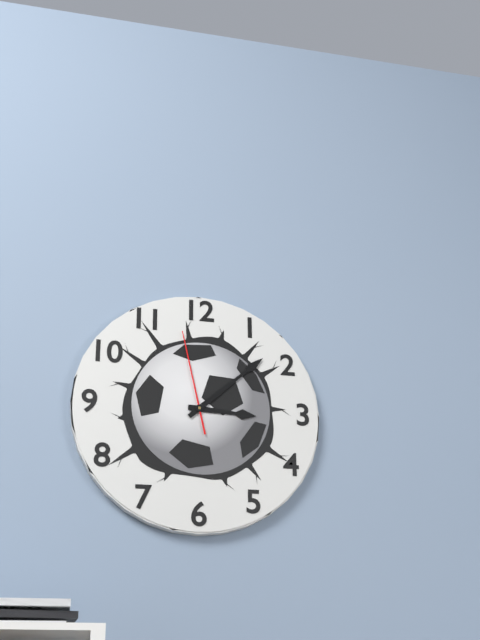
3.08.58
